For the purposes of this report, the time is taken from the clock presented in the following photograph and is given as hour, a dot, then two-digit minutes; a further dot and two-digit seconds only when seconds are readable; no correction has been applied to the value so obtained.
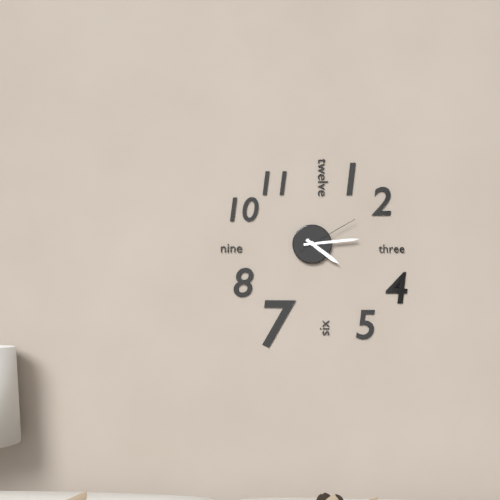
4.14.10
